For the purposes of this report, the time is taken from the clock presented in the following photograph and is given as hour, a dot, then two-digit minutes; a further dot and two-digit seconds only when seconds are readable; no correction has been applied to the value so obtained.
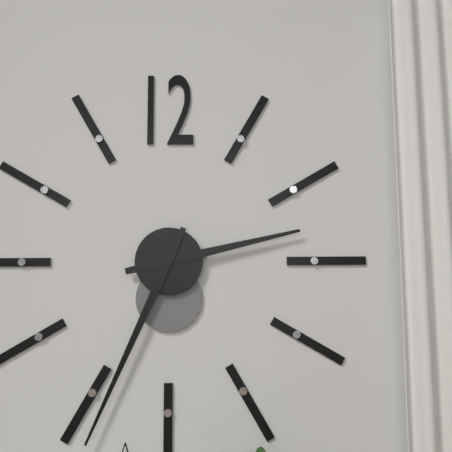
2.34
